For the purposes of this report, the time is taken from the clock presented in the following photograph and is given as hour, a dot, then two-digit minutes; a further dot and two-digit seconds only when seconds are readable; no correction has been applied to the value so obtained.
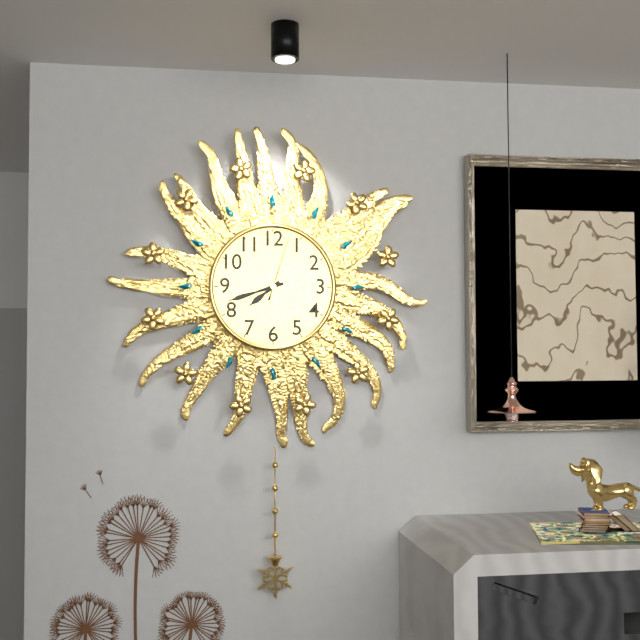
7.42.03
